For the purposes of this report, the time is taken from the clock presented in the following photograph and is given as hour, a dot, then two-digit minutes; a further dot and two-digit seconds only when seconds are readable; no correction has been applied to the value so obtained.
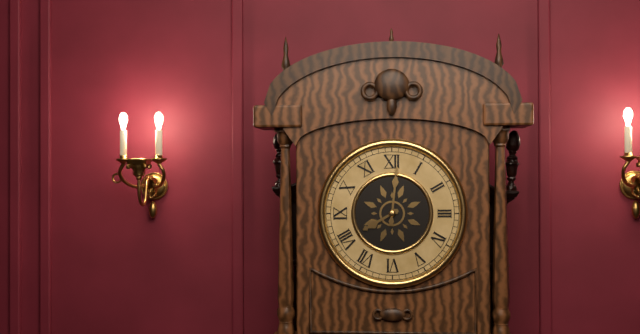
8.01
